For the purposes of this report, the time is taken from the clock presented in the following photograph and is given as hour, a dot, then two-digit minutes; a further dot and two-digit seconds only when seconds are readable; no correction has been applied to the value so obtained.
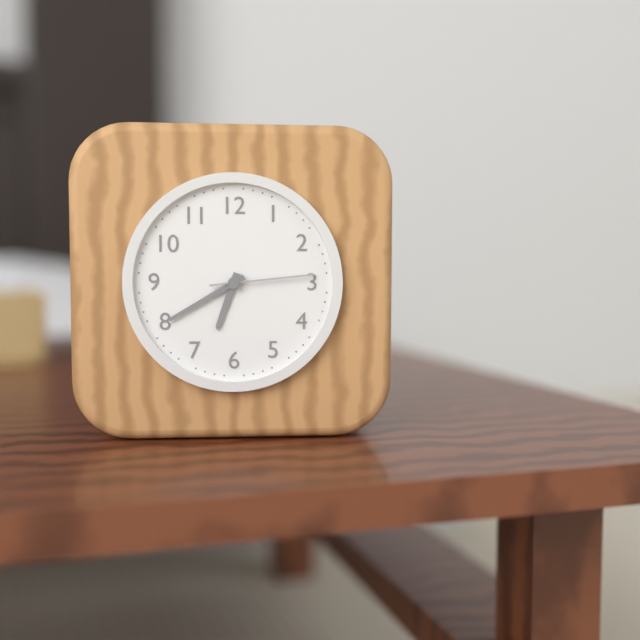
6.40.14
